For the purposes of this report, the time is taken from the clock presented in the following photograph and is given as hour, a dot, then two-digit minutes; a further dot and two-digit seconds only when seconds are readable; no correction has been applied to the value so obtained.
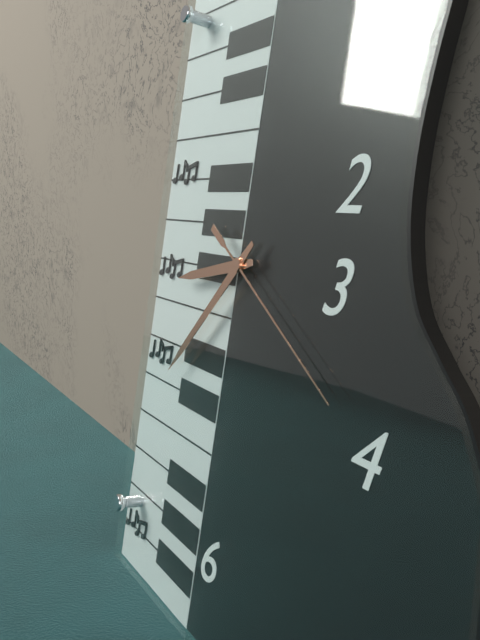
8.37.20
